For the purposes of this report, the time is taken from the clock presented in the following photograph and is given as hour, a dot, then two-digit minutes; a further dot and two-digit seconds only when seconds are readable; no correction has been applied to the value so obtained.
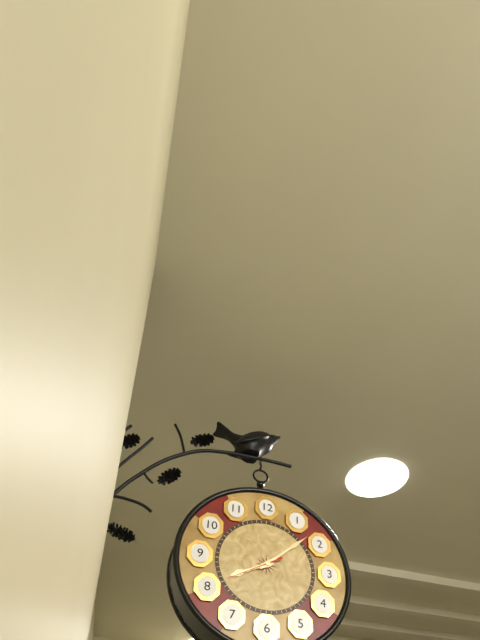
8.08.40
